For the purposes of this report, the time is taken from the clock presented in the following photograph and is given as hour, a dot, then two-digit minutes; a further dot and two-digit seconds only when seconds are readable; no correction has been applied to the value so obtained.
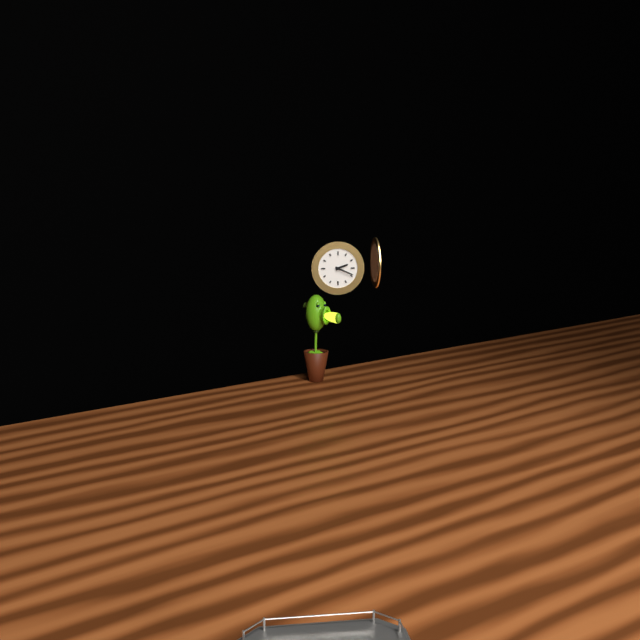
2.19
